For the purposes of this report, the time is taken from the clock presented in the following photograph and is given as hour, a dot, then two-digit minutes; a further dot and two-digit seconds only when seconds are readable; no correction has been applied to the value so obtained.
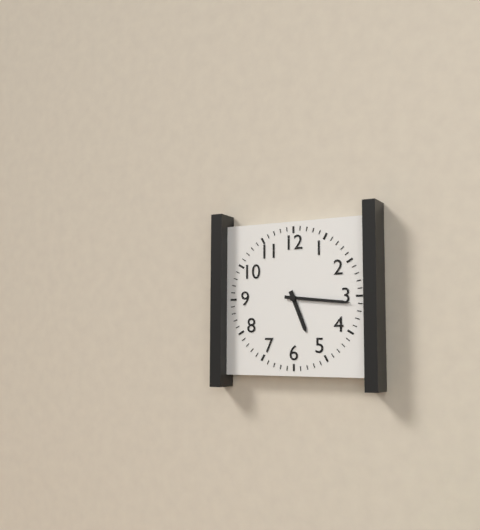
5.16
